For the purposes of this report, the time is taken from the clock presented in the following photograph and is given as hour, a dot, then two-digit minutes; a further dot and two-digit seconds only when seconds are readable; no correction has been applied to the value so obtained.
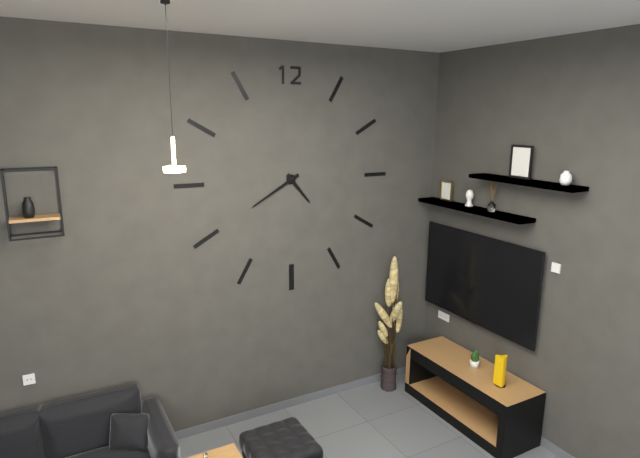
4.40
